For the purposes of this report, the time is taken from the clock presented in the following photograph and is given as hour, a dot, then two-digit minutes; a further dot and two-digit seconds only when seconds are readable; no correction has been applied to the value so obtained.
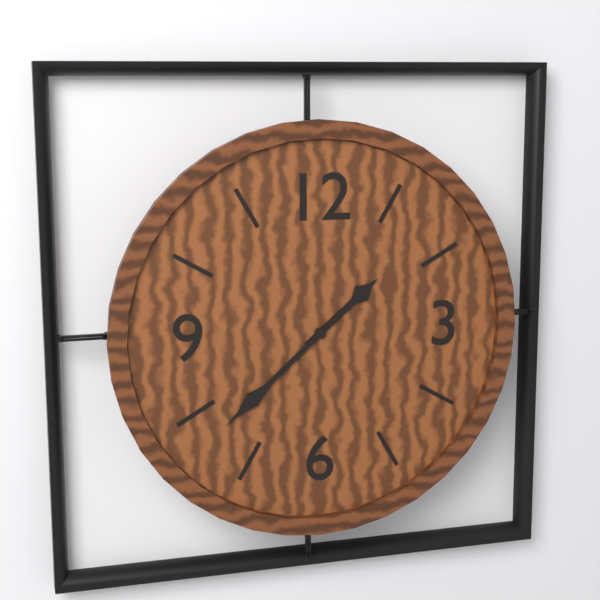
1.38
